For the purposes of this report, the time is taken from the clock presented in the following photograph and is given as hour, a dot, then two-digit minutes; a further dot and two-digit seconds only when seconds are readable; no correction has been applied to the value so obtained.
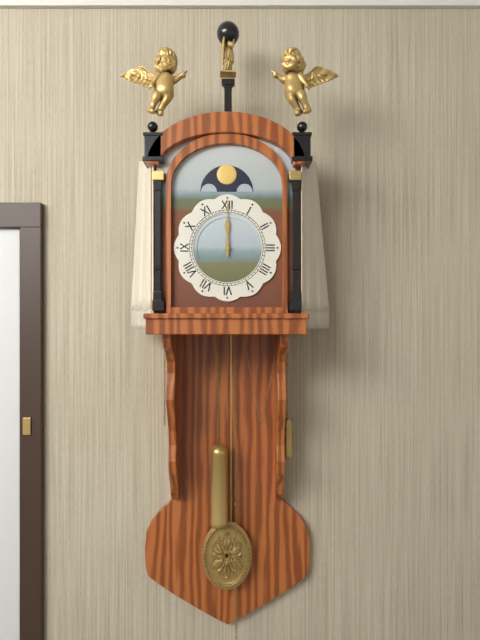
12.00
